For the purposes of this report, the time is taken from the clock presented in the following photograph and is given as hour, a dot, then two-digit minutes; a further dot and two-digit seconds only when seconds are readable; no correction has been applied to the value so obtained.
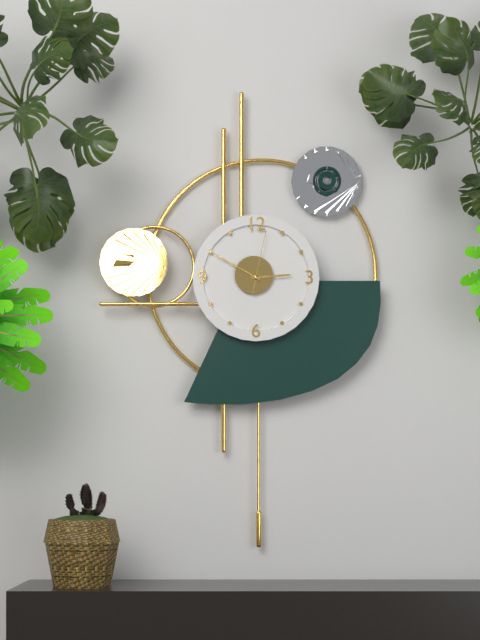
2.50.02
